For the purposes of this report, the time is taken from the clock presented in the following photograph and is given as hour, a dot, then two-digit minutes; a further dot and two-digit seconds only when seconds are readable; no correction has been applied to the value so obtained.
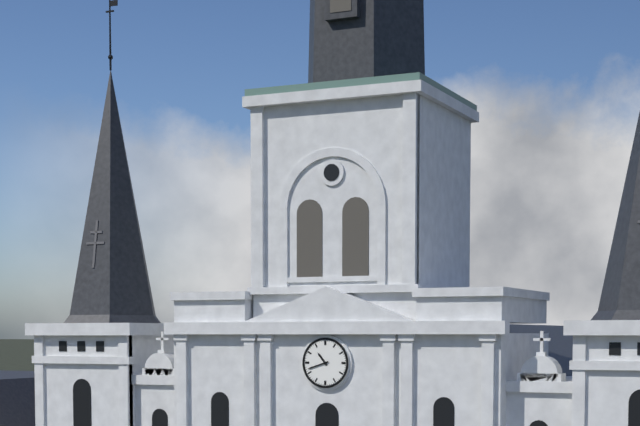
10.42
